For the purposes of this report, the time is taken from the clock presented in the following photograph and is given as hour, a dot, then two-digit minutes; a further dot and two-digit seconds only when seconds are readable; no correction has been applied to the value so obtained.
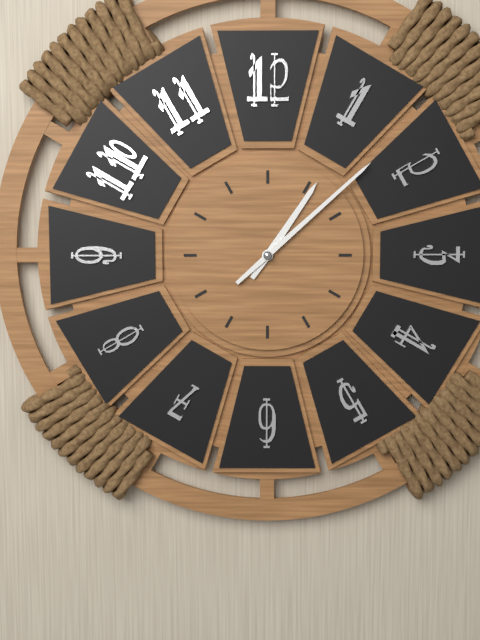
1.08
